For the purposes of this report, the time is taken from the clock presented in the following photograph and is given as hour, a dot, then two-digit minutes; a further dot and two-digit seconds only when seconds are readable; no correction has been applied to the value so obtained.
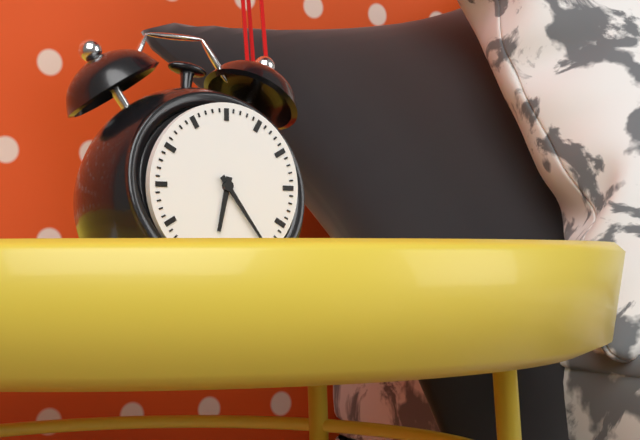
6.24
